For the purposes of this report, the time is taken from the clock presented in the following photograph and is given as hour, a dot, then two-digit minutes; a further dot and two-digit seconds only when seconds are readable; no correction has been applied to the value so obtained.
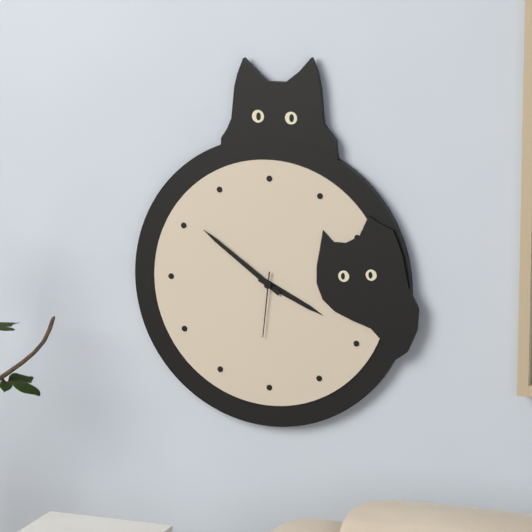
3.51.31
